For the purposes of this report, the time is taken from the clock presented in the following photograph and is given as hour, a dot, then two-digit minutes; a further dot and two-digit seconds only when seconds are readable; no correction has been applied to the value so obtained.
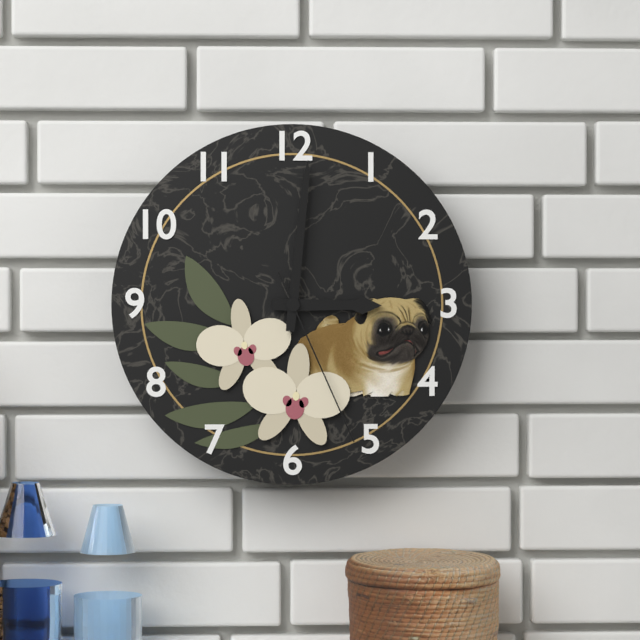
3.01.26
